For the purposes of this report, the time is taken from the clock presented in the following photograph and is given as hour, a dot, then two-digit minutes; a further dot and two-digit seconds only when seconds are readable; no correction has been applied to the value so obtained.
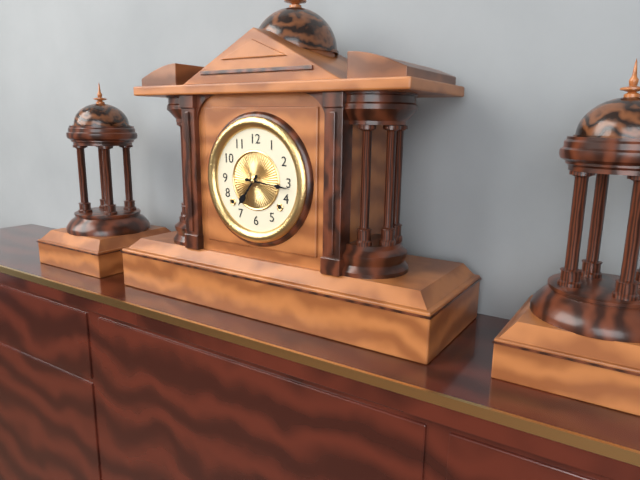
7.16
